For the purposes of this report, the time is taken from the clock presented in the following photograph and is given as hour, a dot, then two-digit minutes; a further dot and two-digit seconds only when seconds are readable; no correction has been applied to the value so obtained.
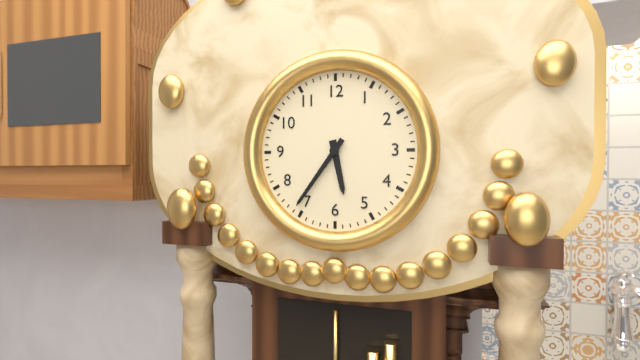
5.36
